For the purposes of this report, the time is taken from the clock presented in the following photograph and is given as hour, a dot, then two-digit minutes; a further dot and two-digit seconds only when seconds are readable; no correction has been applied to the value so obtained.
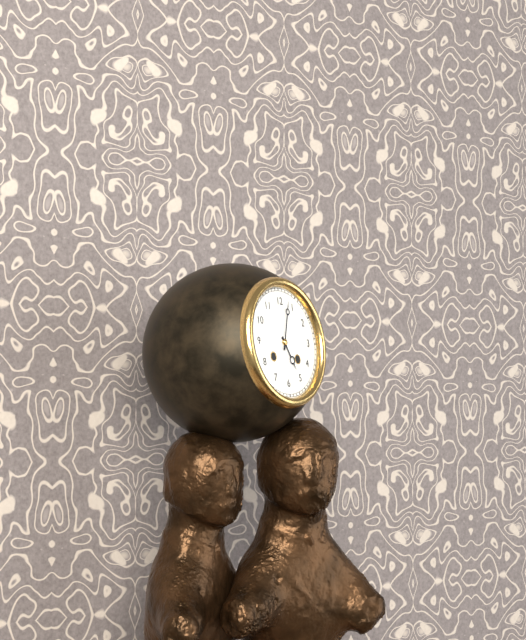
5.03
